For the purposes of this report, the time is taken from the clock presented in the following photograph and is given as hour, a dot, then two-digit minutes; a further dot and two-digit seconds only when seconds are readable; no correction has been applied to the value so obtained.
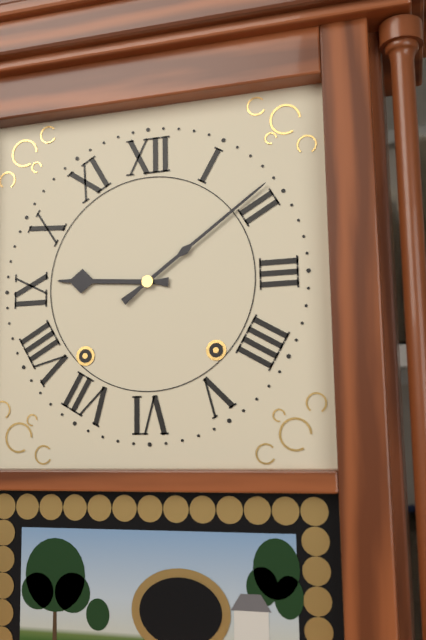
9.09
